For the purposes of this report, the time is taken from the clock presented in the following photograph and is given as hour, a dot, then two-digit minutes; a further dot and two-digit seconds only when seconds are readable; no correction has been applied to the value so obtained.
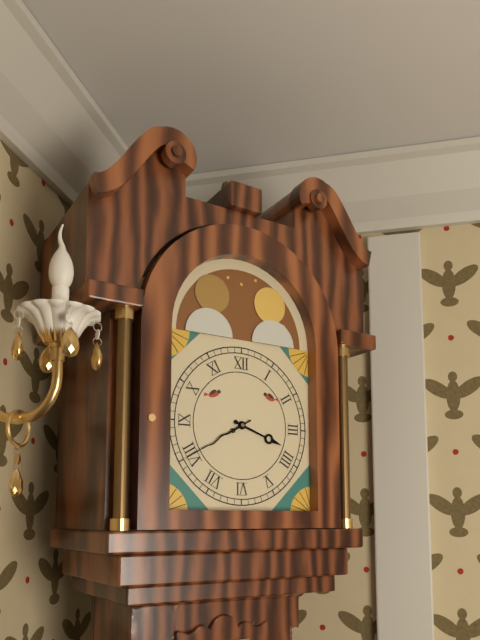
3.40
